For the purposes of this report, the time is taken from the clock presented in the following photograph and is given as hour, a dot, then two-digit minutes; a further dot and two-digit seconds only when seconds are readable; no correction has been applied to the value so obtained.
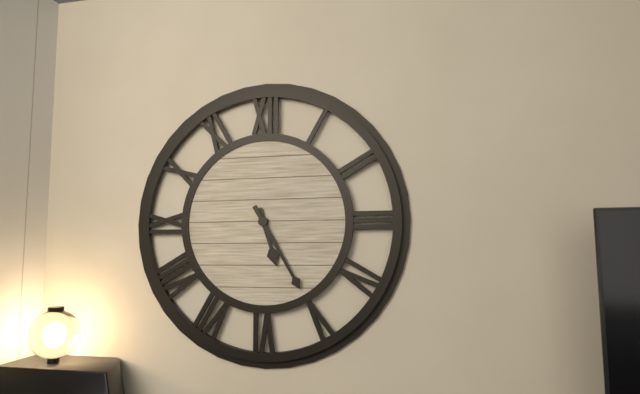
5.25
